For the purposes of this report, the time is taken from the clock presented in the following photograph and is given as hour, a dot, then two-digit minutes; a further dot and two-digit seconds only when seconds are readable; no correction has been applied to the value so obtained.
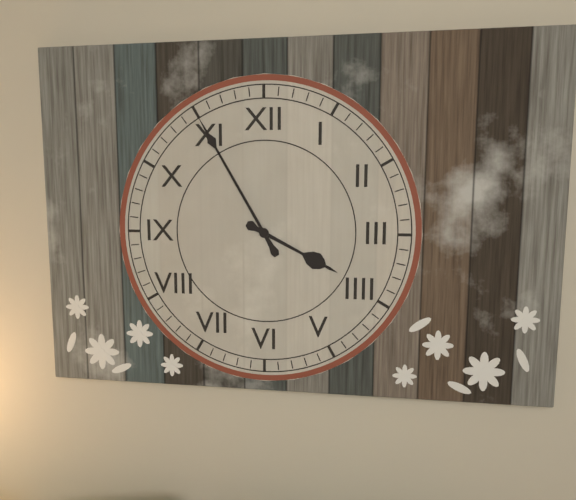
3.55
